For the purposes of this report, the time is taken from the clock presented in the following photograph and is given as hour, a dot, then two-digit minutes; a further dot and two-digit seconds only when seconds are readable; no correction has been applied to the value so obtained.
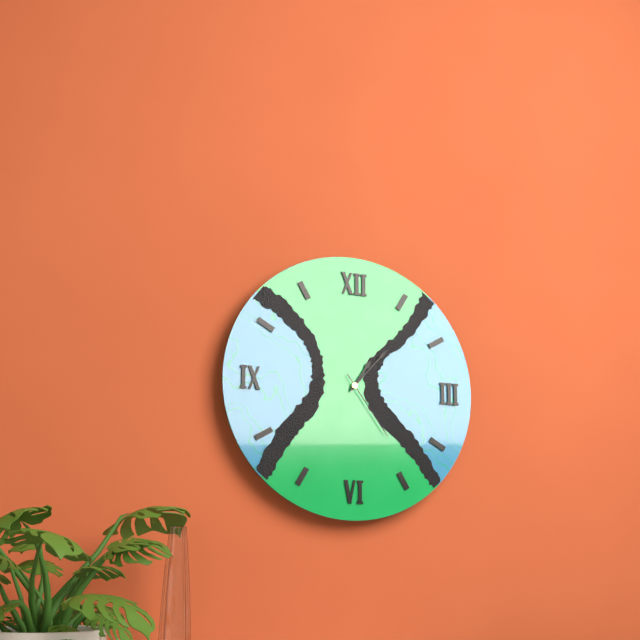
1.07.24
